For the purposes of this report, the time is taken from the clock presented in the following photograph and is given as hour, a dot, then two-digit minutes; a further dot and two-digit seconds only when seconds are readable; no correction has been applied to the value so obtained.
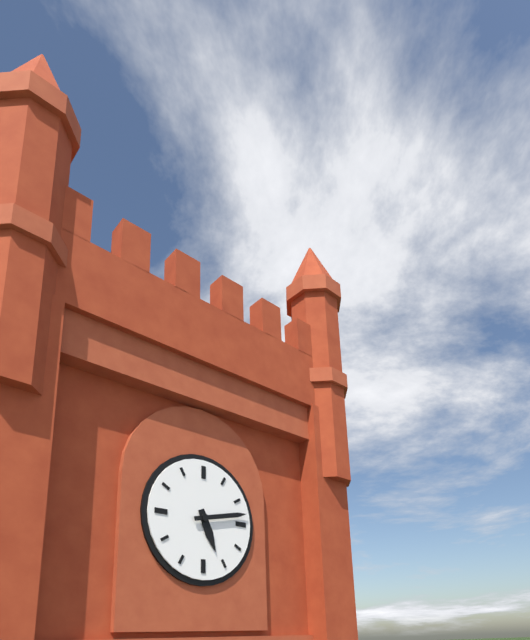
5.13
